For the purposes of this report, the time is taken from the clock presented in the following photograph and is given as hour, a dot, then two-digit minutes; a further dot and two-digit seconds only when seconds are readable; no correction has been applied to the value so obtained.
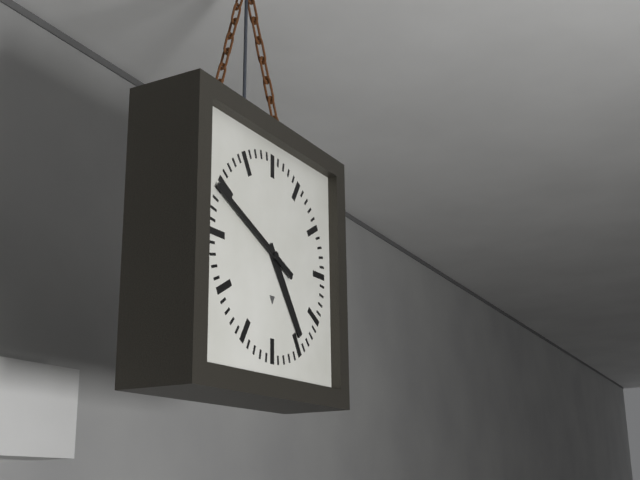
4.49
